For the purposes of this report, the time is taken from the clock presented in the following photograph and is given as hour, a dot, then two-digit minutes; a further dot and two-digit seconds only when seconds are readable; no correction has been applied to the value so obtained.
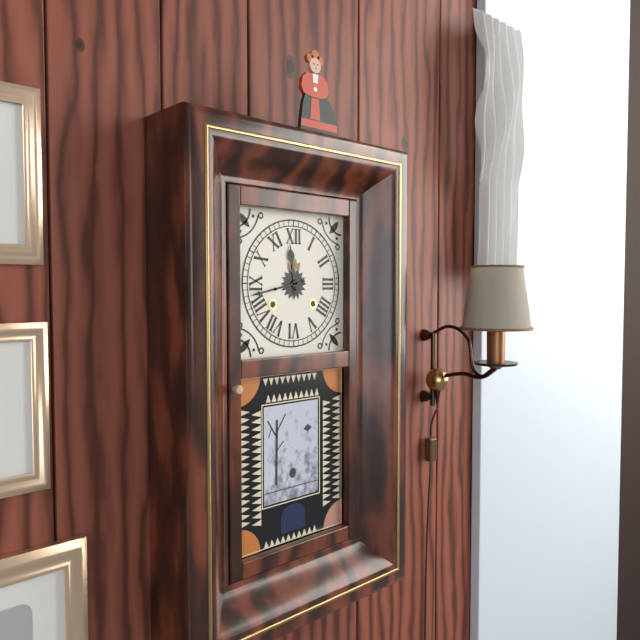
11.43
